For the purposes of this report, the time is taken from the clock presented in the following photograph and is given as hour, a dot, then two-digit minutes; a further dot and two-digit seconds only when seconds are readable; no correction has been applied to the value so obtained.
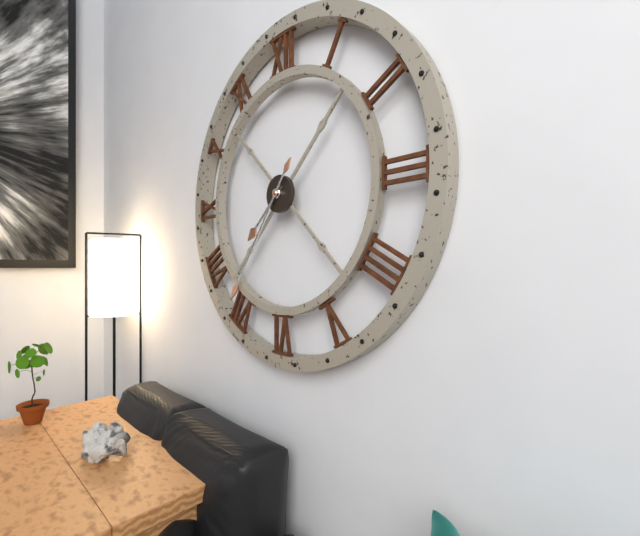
7.36
